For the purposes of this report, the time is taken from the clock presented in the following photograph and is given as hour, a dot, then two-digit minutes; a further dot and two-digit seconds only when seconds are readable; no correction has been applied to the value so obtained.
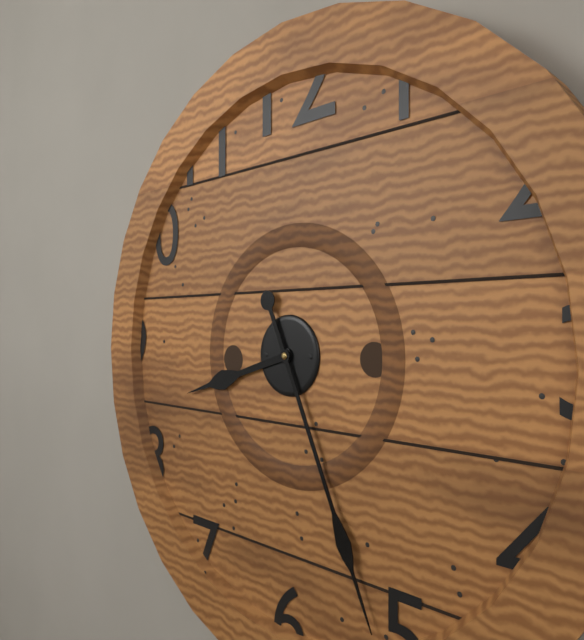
8.26
